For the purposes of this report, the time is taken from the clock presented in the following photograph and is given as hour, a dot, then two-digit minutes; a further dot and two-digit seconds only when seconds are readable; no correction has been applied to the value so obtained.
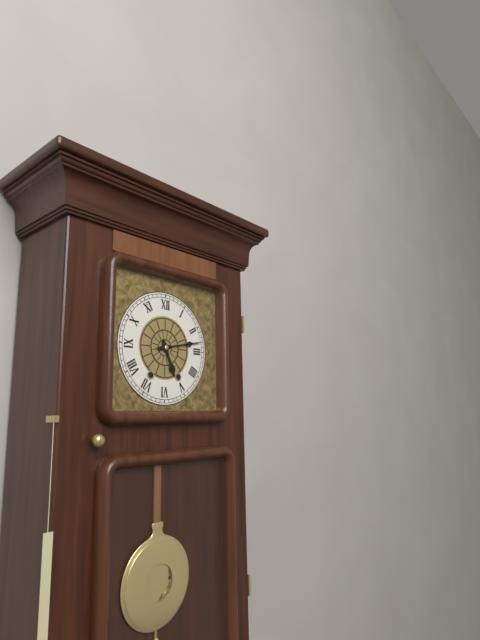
5.13
